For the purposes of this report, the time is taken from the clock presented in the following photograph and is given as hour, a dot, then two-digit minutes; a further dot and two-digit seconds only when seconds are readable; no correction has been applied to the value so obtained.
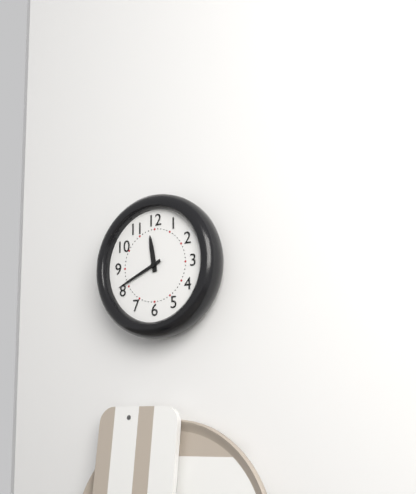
11.41
